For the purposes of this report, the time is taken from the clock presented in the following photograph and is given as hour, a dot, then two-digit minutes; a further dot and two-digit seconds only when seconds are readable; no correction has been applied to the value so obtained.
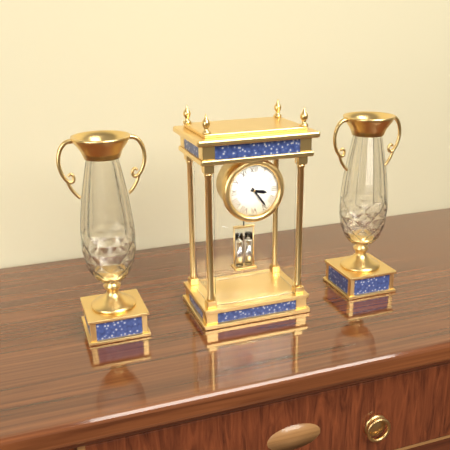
3.24
